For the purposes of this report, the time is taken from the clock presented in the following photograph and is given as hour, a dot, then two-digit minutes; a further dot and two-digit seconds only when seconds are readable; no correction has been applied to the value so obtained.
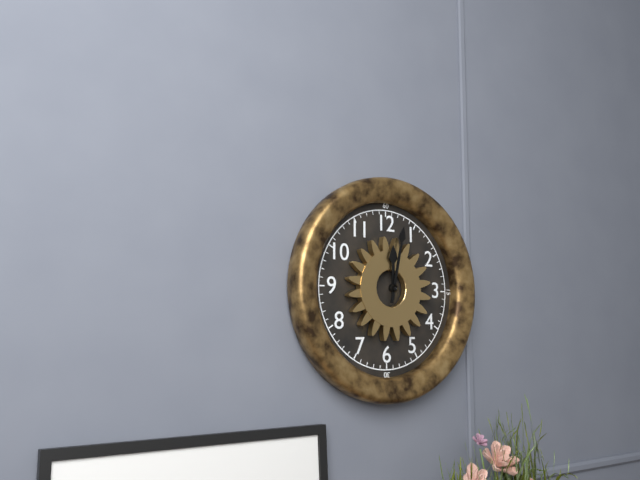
12.02
